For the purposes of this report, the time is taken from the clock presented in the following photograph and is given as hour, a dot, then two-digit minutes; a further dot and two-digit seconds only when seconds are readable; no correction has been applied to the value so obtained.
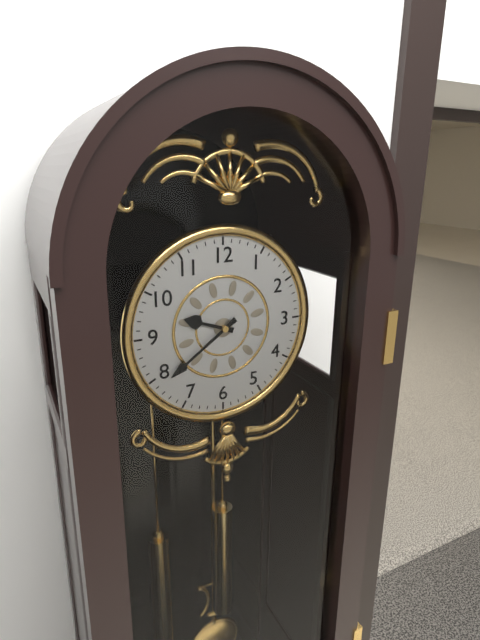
9.39
